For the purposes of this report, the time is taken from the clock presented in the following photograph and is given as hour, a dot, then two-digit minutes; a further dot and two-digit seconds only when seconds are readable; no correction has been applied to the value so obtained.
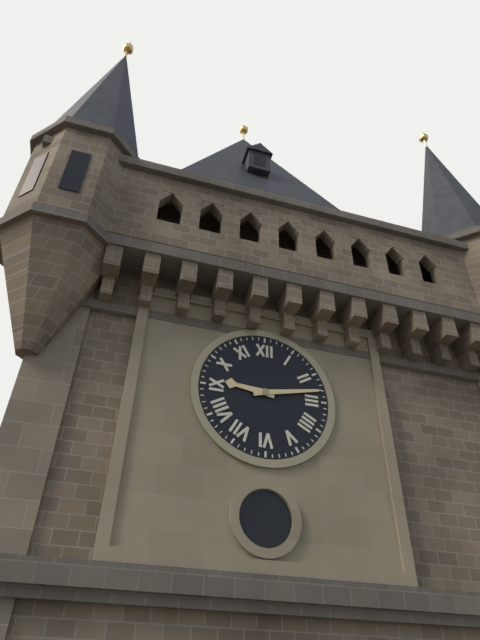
9.13
